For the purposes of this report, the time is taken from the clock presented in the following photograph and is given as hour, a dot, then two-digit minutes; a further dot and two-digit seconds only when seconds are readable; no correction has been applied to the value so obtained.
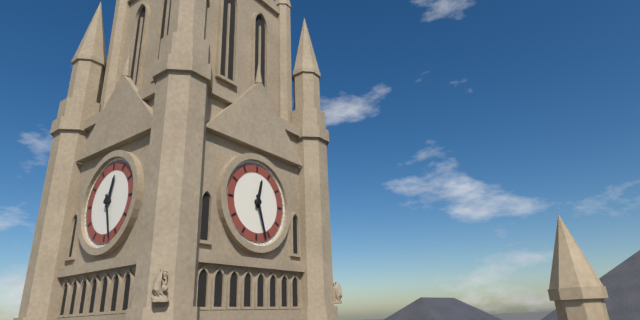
12.27
